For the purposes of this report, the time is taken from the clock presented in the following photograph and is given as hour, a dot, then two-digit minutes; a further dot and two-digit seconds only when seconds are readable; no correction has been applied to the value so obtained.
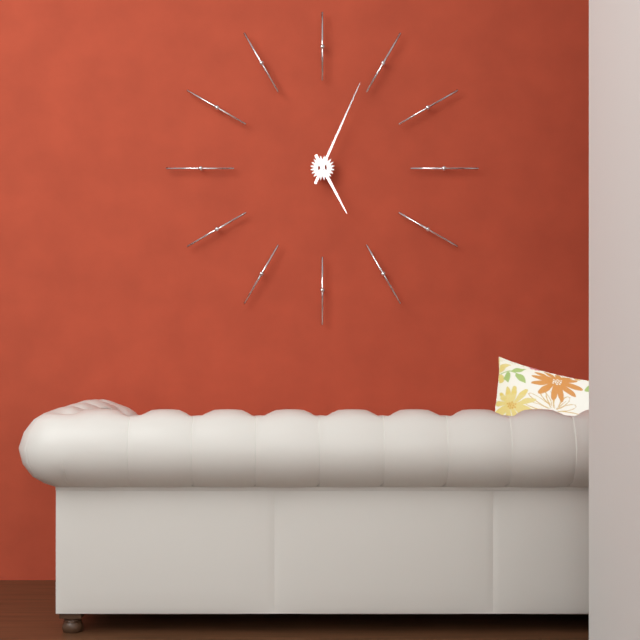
5.04
